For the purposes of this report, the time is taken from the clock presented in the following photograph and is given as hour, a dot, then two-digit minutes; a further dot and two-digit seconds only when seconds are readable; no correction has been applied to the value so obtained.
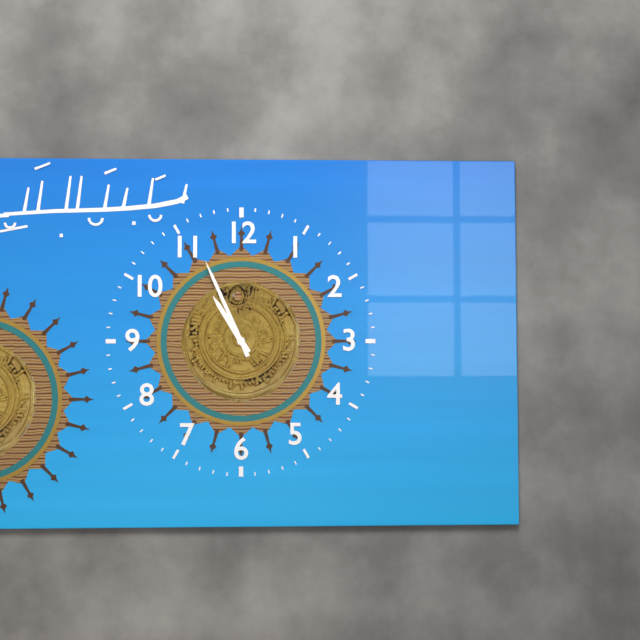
10.56
